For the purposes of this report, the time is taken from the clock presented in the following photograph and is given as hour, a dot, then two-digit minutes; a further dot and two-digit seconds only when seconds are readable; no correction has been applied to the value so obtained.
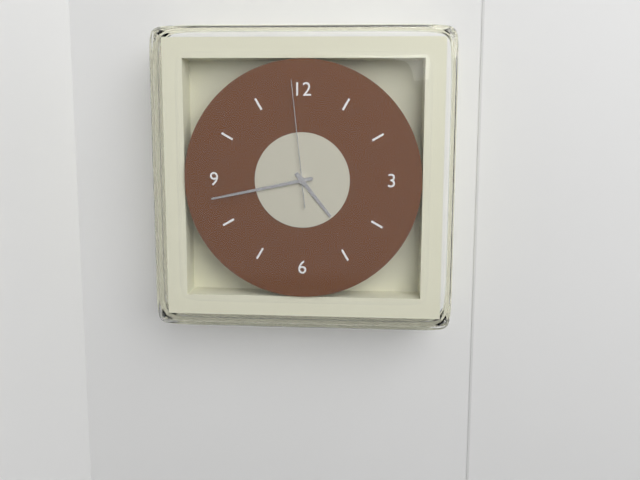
4.43.59
